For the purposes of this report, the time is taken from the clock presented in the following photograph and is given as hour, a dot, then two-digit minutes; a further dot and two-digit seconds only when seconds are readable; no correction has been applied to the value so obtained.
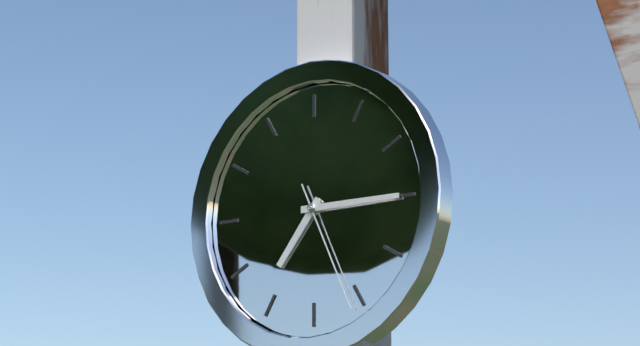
7.15.26
